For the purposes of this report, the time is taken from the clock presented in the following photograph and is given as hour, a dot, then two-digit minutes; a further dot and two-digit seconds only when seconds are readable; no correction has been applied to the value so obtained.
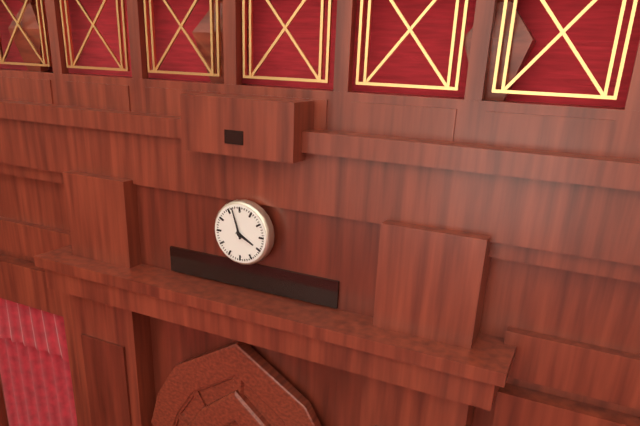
3.57
